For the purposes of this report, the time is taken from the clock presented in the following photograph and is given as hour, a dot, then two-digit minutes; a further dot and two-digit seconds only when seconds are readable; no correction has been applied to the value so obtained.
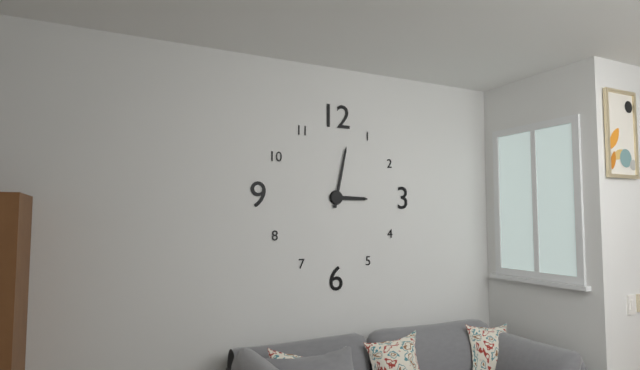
3.02
